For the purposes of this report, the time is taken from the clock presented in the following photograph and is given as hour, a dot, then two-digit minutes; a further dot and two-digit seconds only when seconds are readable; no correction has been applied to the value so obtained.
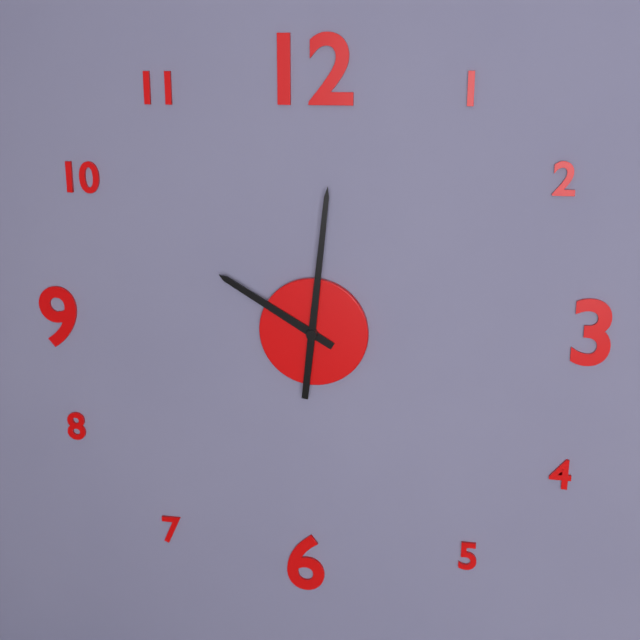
10.01
